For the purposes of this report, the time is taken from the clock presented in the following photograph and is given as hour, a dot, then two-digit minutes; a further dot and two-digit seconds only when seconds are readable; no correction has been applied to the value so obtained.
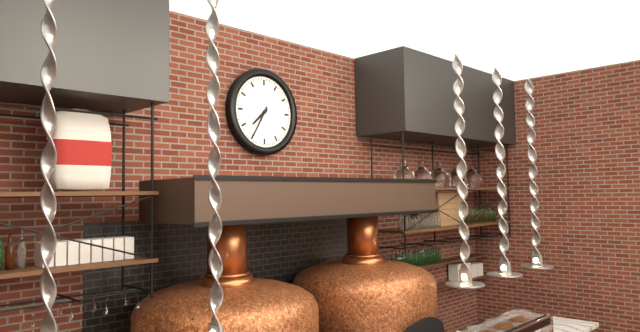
7.35
